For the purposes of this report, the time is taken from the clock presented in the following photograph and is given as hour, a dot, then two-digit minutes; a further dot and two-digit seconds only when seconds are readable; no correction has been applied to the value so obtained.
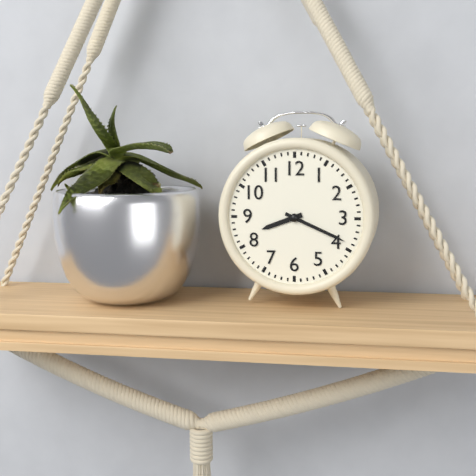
8.19
